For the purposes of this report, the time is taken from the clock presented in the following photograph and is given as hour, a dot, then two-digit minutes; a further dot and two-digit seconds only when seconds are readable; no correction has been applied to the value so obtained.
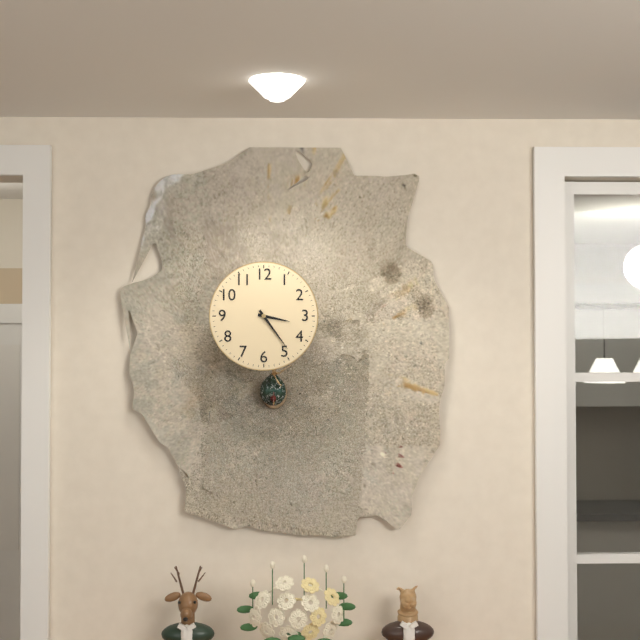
3.24
